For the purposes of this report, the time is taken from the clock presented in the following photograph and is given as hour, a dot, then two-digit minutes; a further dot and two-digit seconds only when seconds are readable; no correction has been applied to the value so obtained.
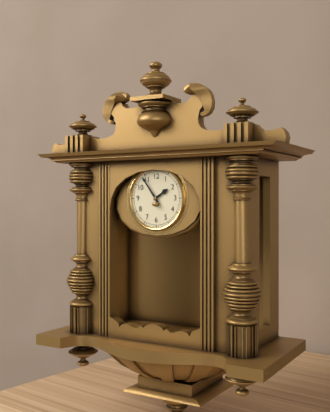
1.54
